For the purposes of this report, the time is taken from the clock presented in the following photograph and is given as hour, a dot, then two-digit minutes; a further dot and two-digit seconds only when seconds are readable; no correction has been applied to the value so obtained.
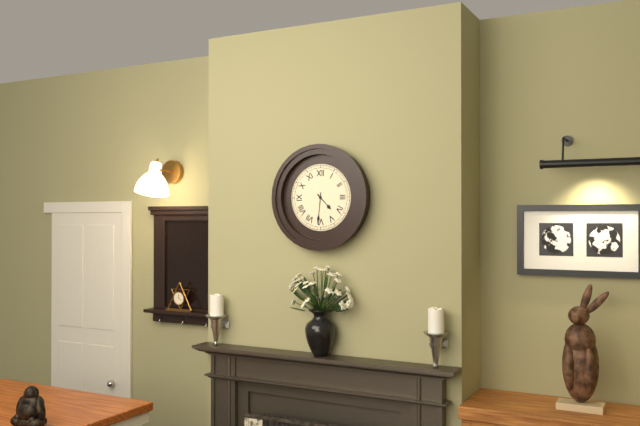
4.31
